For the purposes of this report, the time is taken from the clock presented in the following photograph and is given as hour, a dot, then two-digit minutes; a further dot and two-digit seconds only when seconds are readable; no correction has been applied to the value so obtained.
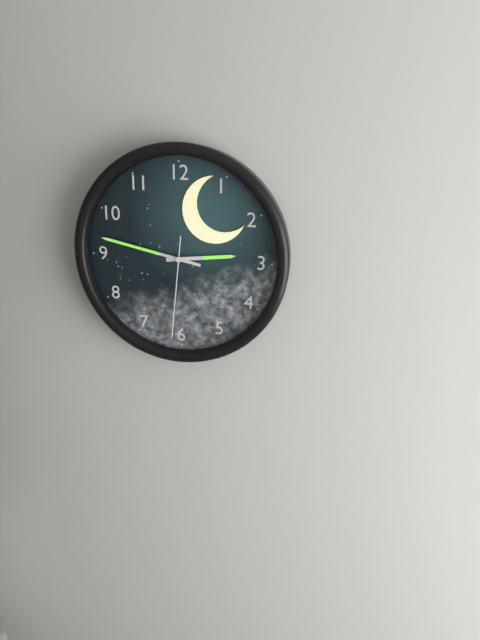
2.47.31
